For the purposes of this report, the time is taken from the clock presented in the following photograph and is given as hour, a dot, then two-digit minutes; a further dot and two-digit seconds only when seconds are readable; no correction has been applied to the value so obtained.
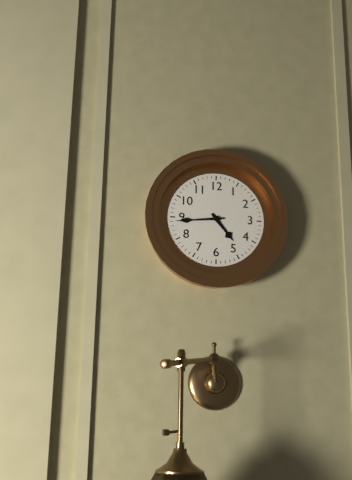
4.44
